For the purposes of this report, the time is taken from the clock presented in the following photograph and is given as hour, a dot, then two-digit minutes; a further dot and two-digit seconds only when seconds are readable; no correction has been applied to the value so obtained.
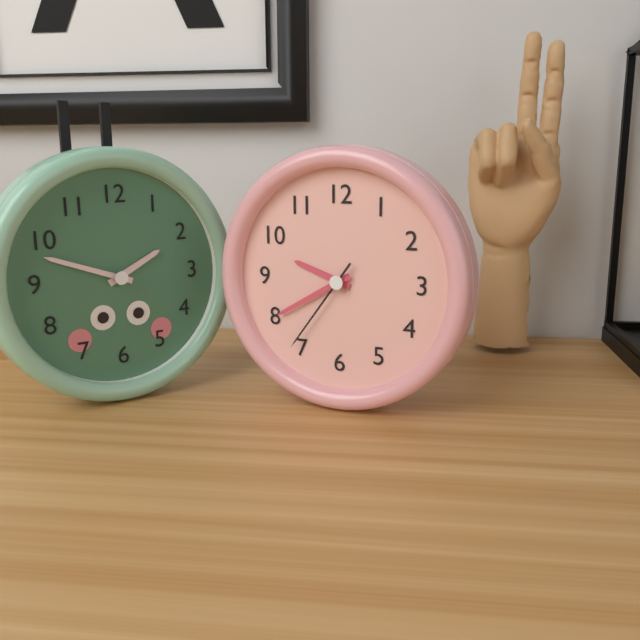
9.40.36
